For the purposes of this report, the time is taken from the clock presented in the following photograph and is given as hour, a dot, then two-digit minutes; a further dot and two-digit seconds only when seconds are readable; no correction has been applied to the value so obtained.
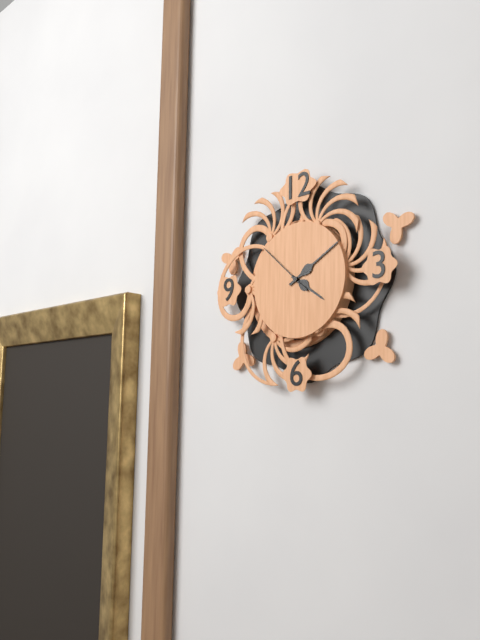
4.10.52
